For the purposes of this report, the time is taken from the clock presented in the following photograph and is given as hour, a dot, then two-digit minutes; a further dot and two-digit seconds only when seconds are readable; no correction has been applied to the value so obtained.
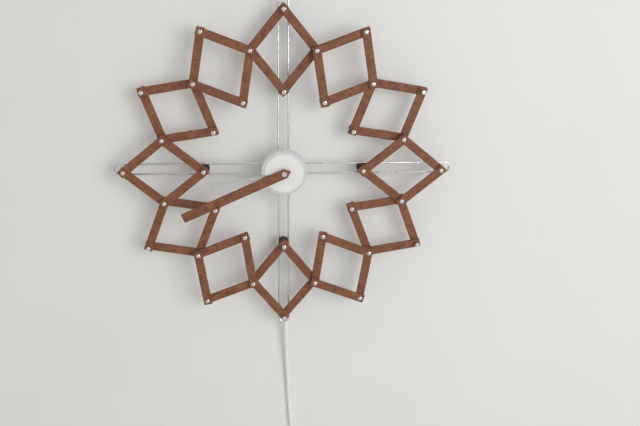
8.41
